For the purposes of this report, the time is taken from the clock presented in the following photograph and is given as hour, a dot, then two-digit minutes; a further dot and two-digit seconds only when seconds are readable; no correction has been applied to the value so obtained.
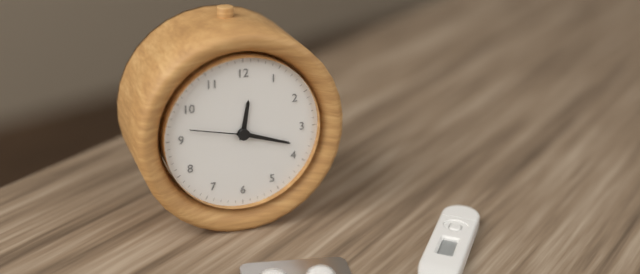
12.18.47
